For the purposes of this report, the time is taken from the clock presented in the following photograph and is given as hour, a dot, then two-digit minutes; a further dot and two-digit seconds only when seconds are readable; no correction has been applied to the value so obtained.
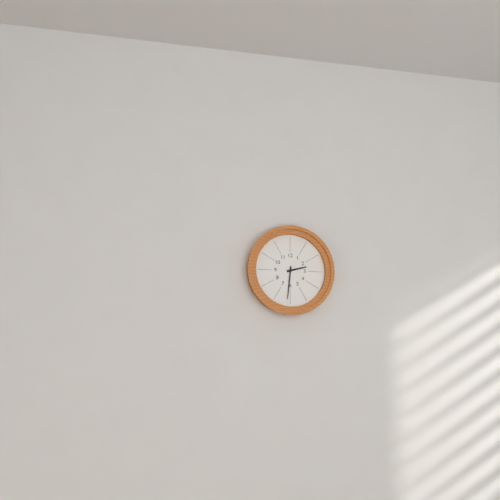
2.31
